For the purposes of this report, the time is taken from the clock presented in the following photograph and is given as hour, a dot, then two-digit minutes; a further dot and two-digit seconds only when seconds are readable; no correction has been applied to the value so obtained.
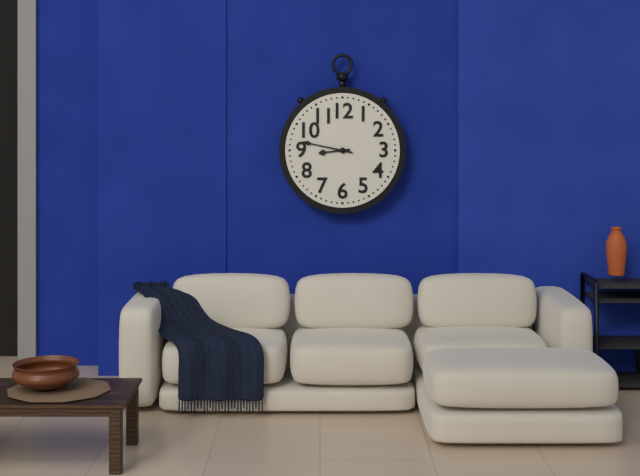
8.47
